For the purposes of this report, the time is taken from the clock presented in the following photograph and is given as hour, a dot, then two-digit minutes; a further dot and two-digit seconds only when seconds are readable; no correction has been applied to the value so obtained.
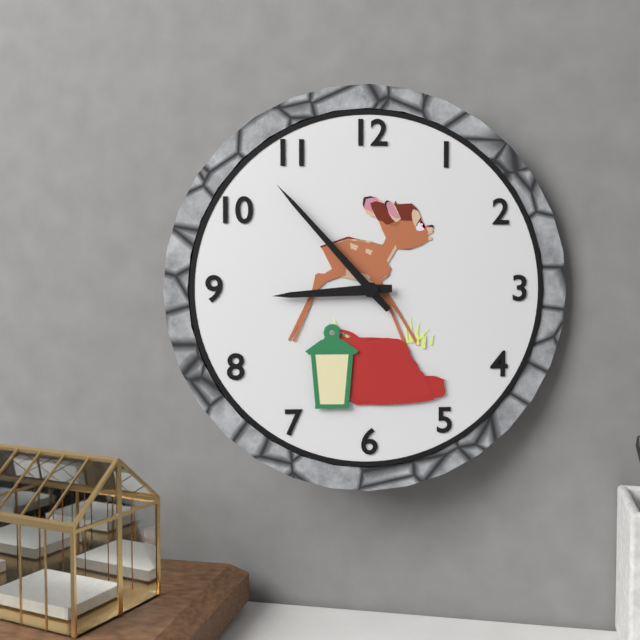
8.53
